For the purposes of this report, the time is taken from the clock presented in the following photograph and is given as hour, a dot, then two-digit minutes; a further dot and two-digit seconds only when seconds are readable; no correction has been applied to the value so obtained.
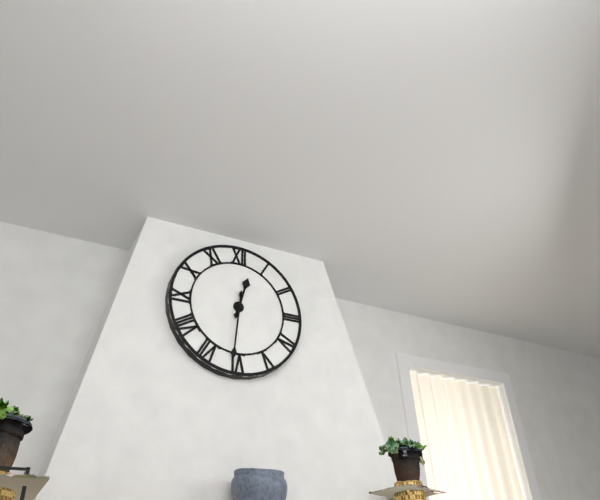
12.31
